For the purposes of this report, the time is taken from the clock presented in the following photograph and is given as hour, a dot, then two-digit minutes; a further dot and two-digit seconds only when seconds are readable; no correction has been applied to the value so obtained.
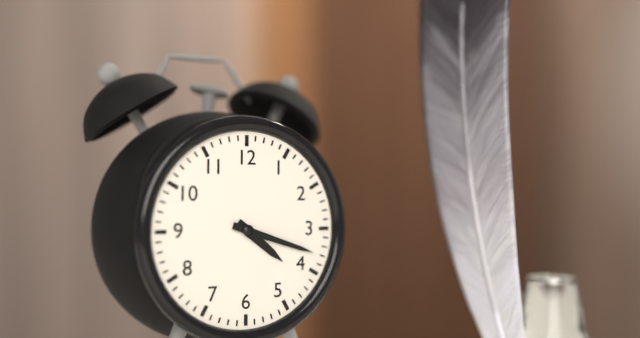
4.18
